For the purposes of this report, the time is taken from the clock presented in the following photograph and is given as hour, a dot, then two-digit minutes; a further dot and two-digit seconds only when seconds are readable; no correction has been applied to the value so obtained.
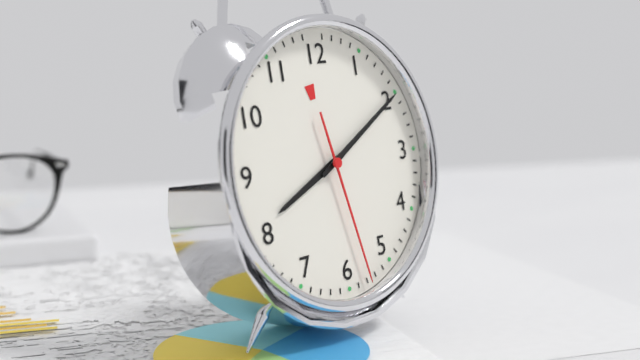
8.10.28
